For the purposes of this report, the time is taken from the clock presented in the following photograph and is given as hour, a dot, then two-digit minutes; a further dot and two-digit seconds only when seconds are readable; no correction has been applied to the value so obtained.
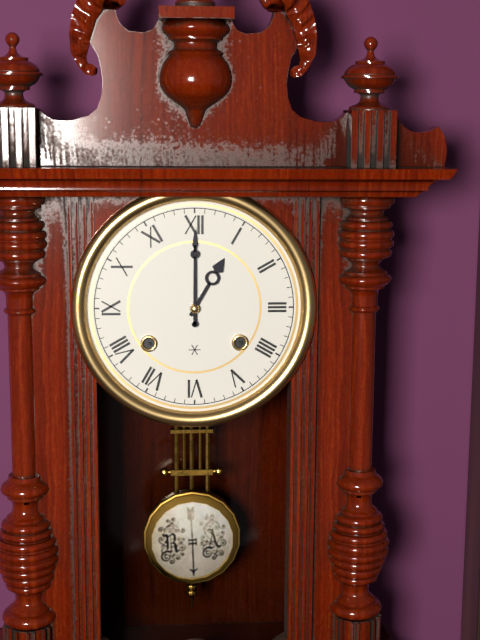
1.00
